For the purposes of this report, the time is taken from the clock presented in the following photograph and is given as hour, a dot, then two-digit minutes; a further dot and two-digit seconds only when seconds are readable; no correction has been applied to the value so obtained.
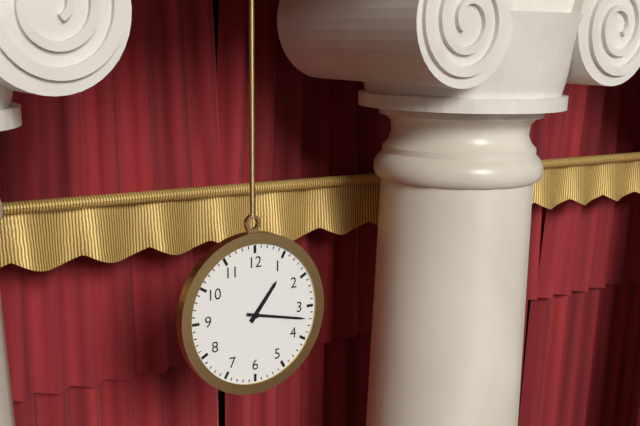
1.17
